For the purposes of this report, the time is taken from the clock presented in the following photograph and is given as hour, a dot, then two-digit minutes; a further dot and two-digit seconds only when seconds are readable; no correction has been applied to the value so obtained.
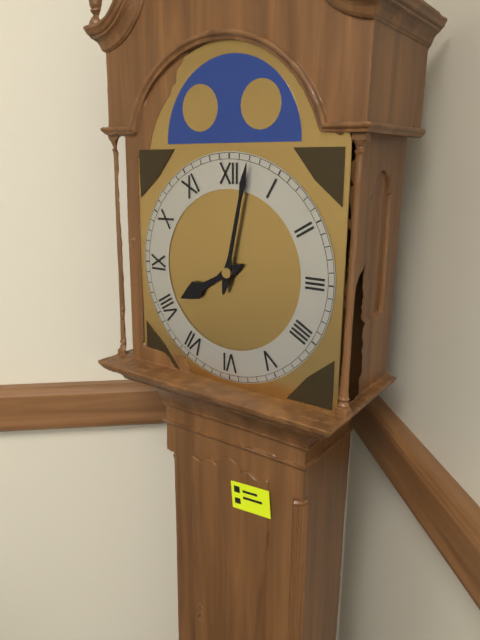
8.02
